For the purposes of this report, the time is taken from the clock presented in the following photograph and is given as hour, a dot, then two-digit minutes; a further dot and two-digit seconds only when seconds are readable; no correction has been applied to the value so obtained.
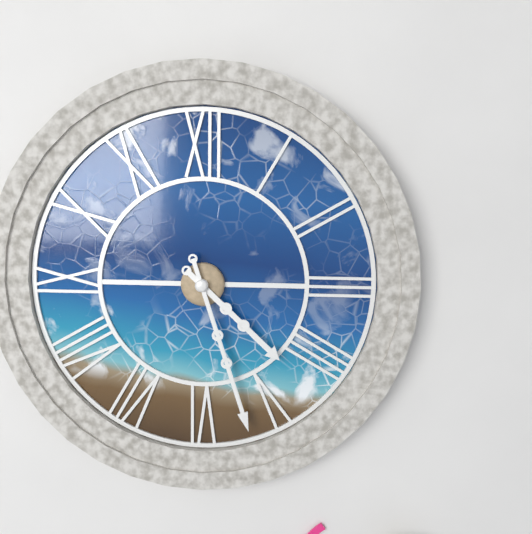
4.27
